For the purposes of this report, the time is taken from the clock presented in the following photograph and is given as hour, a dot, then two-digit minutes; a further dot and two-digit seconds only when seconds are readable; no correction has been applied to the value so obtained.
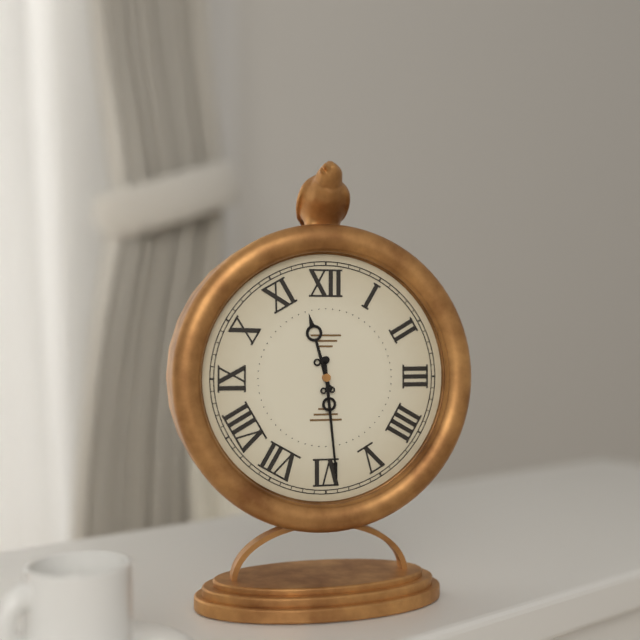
11.29
